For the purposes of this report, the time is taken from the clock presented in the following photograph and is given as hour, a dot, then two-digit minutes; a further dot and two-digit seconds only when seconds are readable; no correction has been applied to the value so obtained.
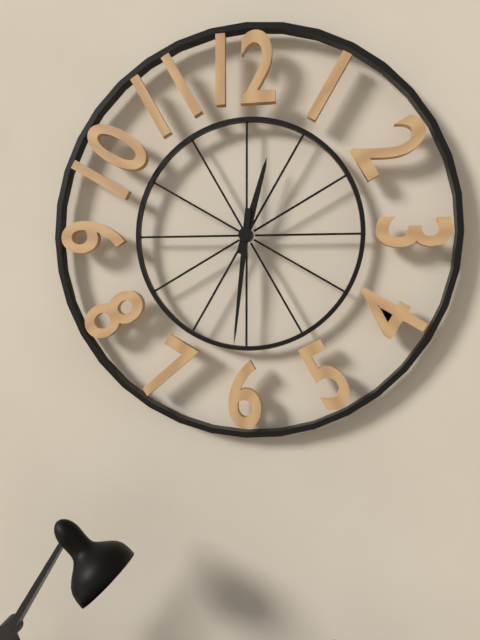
12.31
